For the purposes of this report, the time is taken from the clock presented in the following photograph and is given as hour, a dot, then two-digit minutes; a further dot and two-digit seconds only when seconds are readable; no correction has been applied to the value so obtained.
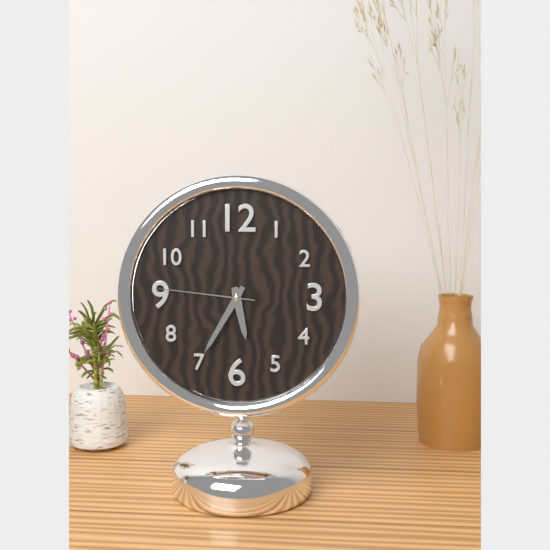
5.35.46
